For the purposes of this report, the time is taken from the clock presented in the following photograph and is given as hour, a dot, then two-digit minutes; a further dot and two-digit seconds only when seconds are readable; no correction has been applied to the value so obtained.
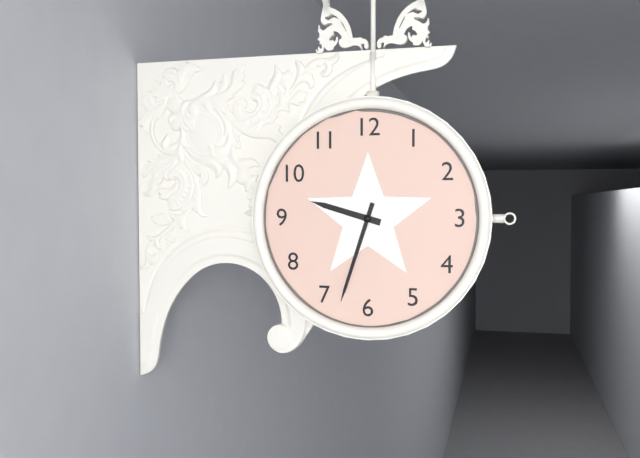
9.33
